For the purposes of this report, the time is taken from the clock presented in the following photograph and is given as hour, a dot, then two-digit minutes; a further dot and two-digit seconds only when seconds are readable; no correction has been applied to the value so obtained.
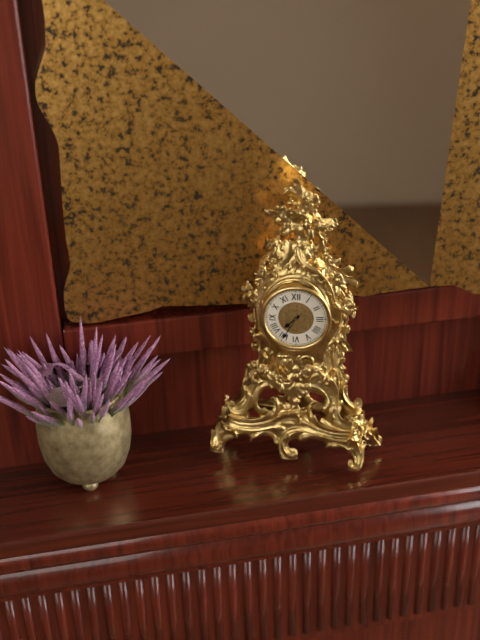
7.35
